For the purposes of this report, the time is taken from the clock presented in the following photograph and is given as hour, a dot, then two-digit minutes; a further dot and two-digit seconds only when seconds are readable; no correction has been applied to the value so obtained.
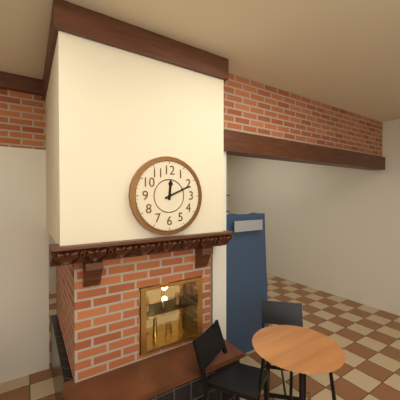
12.11
